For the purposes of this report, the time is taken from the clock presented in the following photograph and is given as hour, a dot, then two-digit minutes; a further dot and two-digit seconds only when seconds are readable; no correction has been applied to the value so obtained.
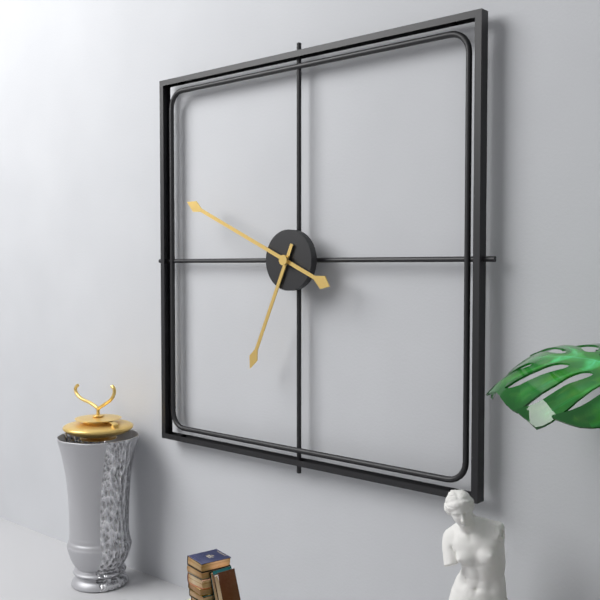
6.49
